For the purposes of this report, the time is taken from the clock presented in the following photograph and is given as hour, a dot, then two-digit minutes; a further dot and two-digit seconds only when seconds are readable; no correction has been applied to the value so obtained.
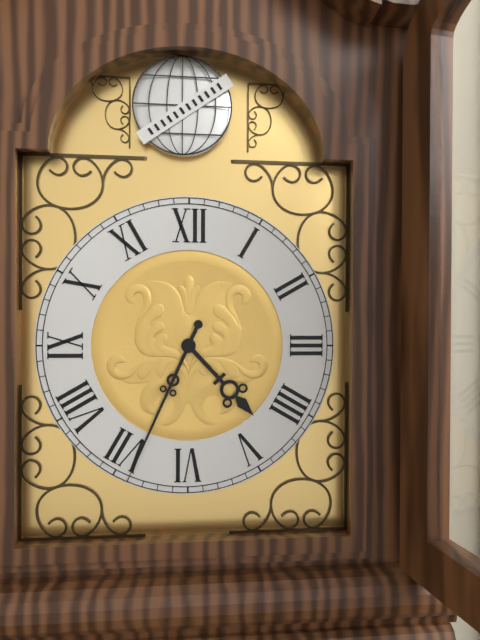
4.34
